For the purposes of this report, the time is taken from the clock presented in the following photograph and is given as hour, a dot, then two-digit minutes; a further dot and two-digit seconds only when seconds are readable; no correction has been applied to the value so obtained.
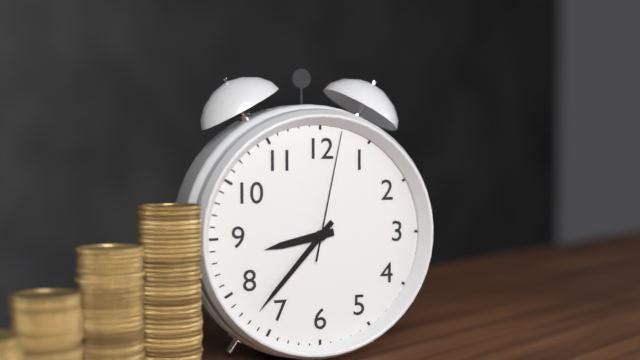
8.37.02
